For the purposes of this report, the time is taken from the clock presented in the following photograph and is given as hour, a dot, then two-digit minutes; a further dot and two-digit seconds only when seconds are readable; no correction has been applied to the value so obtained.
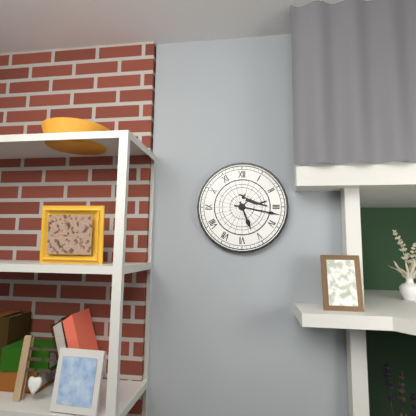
5.17
